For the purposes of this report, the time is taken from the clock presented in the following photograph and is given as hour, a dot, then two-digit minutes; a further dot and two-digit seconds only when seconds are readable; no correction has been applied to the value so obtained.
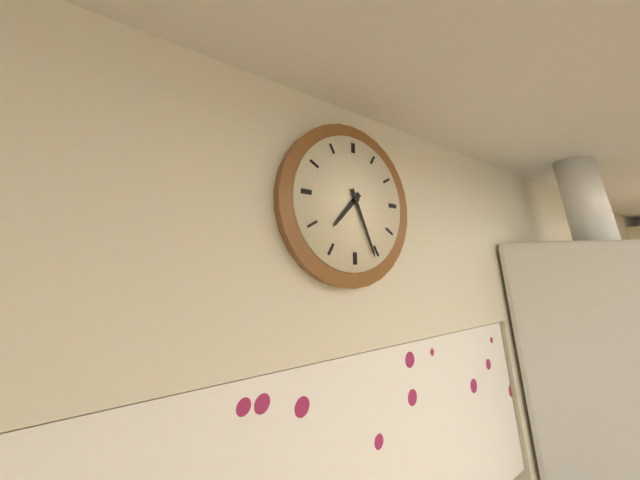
7.26
